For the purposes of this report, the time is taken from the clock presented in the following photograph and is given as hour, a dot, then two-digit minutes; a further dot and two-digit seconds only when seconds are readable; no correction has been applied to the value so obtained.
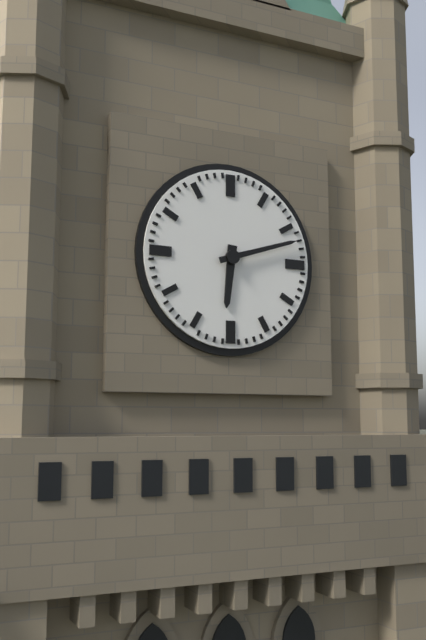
6.12
